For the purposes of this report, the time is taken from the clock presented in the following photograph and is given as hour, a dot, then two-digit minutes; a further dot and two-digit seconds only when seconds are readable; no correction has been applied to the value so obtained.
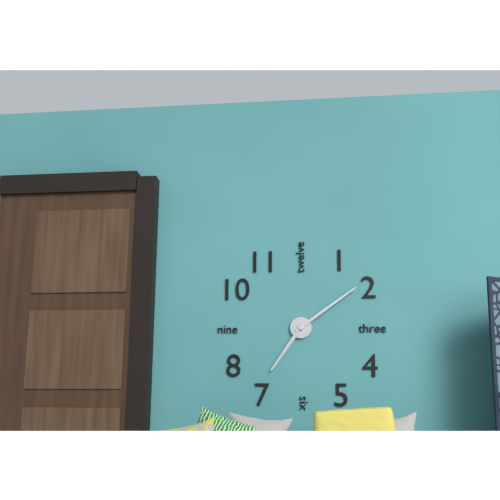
7.09
